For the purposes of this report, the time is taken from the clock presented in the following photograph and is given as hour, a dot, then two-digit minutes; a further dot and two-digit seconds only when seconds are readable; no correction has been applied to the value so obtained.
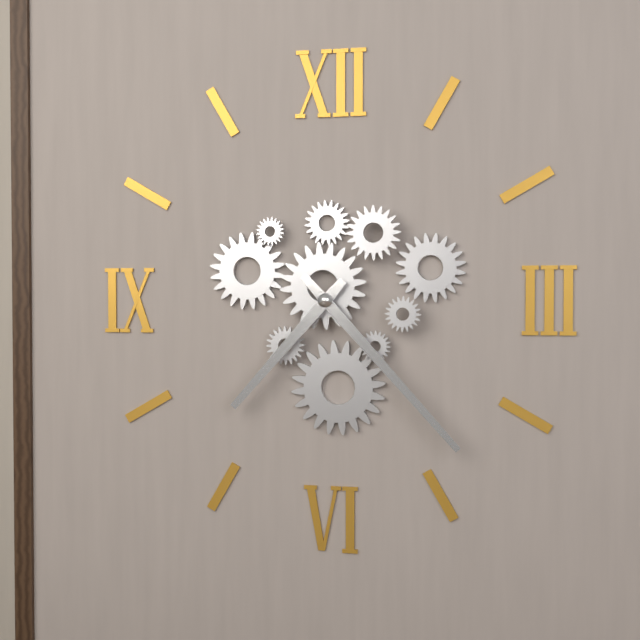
7.23
